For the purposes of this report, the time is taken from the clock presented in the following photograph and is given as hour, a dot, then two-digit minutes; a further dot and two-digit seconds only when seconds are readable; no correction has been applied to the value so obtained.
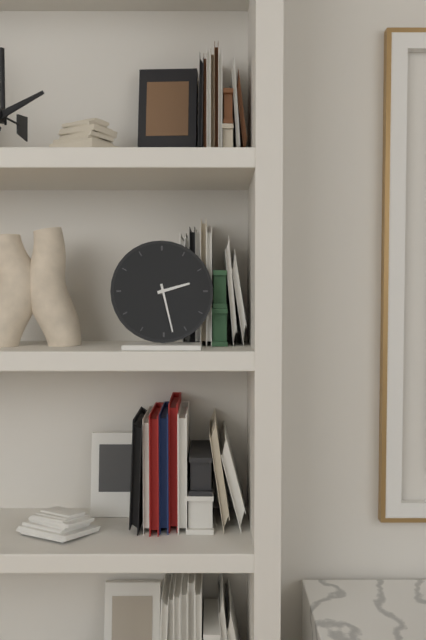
2.28
